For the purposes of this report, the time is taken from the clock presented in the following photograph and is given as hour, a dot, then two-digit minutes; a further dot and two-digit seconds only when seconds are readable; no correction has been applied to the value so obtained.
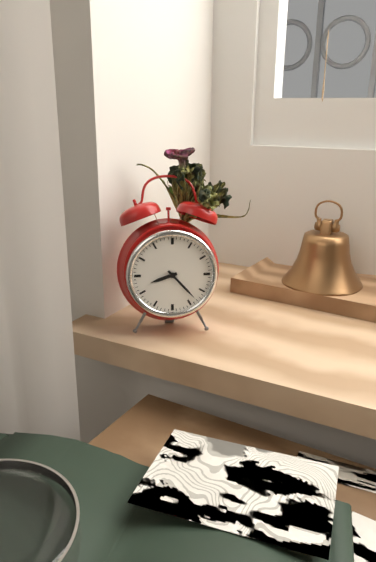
8.23
